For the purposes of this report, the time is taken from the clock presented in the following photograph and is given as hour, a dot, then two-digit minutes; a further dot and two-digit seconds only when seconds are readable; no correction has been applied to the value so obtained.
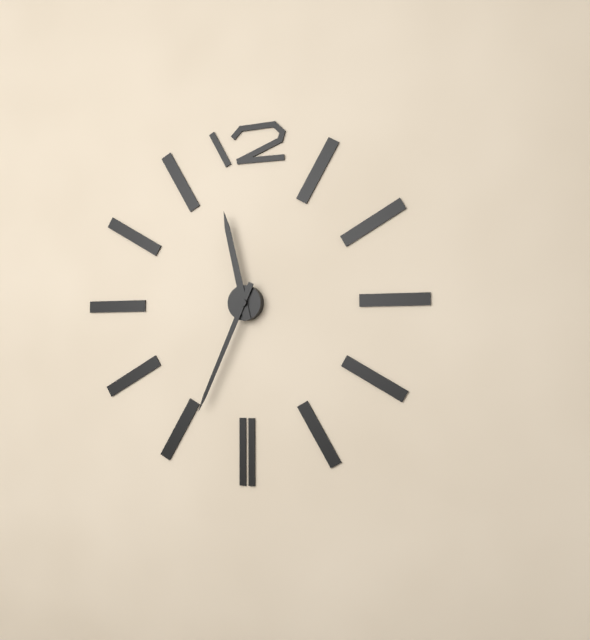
11.34
